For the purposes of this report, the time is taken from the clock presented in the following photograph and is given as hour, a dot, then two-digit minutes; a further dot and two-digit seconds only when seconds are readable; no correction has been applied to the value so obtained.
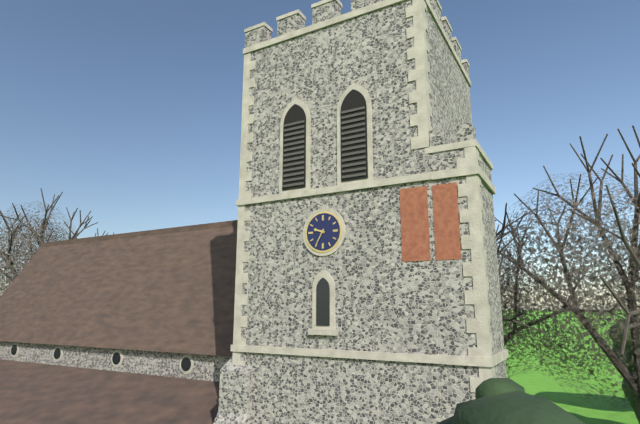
9.35
